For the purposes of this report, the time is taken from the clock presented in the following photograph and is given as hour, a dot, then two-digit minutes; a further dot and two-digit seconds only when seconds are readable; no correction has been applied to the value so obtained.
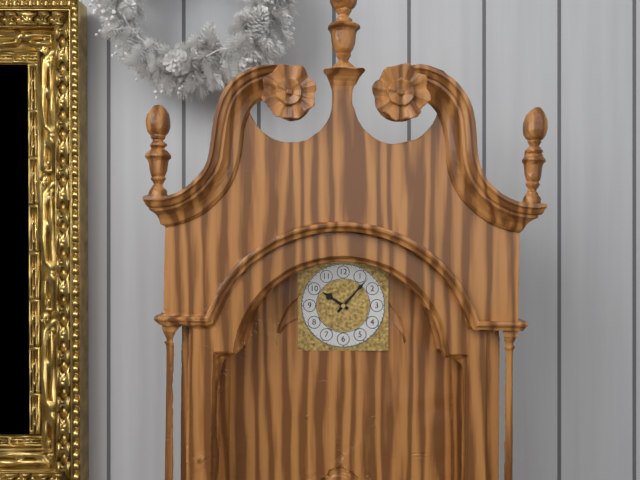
10.07
